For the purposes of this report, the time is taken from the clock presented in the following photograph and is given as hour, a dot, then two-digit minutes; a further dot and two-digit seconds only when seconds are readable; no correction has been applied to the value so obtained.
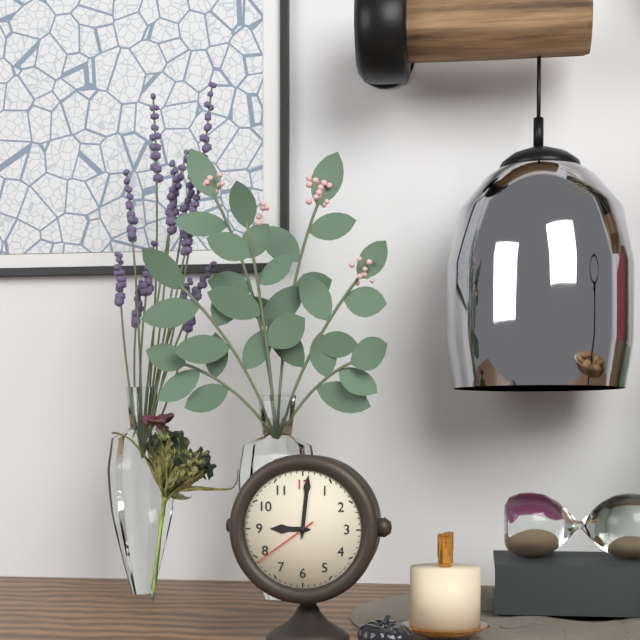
9.01.39
